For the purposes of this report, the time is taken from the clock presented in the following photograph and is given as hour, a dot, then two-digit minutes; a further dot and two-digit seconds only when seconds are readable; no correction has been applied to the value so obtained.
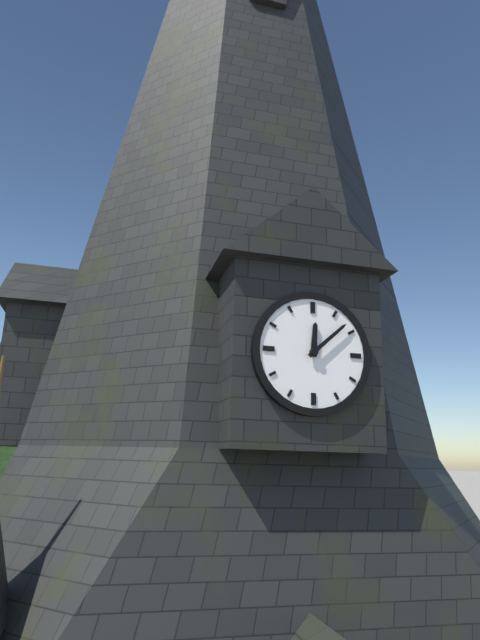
12.08
